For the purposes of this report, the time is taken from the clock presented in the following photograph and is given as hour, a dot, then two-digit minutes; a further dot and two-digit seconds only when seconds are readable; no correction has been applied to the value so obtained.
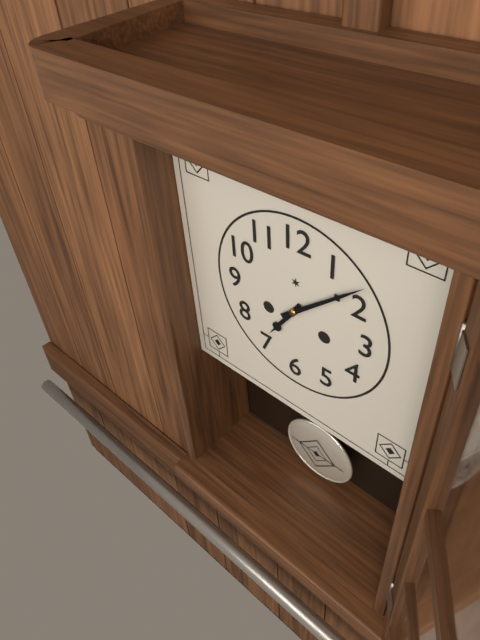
7.08
